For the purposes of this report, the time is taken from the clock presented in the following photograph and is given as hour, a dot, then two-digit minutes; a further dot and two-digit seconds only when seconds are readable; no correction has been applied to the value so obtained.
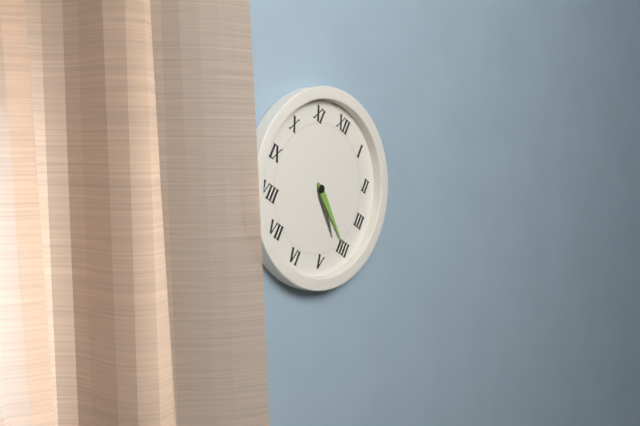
4.20
